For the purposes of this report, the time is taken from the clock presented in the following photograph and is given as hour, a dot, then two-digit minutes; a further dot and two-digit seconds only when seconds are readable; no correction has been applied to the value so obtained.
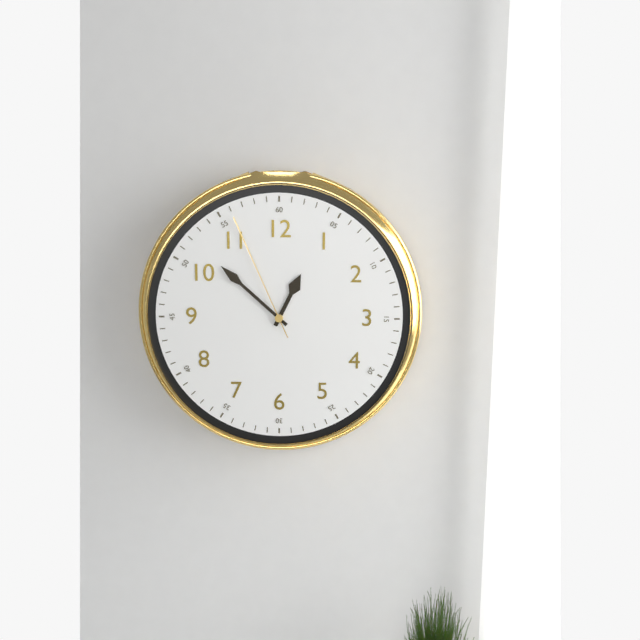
12.52.56
